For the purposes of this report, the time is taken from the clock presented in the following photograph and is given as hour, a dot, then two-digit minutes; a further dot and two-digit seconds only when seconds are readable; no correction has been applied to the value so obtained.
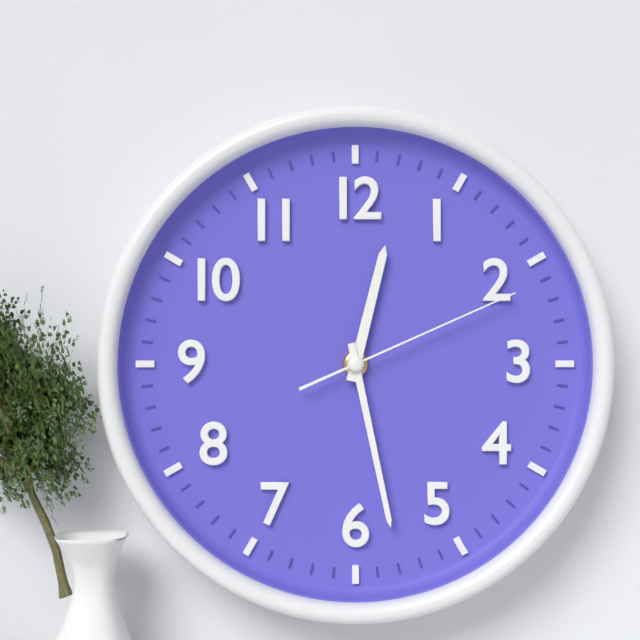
12.28.11
